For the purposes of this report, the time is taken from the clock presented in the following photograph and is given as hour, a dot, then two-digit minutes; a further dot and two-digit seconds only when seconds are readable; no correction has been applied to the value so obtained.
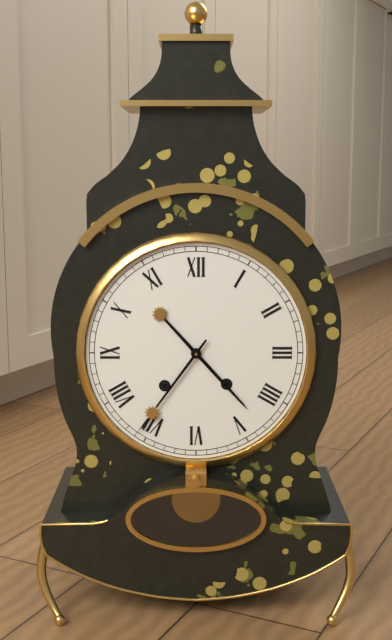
4.36
